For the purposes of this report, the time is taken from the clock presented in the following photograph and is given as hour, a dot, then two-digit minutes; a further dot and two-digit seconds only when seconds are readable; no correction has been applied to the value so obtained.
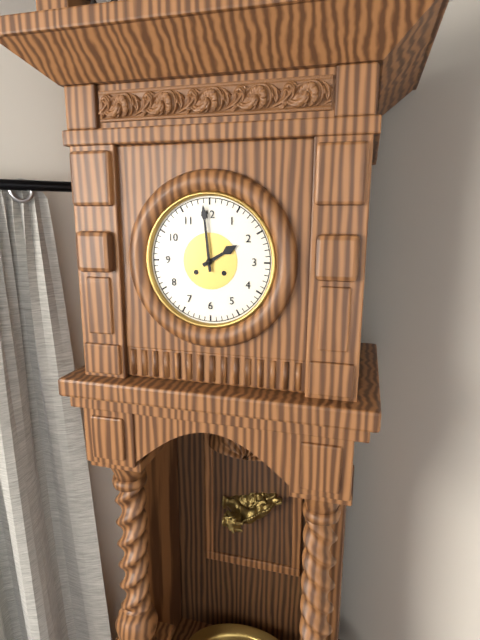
1.59
